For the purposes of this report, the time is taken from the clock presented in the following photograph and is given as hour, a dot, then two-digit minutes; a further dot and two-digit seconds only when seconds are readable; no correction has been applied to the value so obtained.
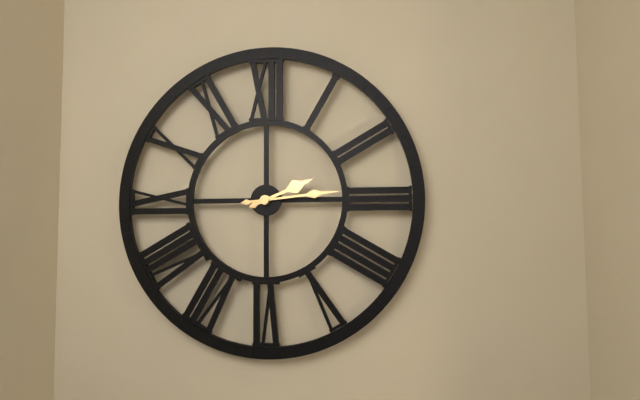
2.14
